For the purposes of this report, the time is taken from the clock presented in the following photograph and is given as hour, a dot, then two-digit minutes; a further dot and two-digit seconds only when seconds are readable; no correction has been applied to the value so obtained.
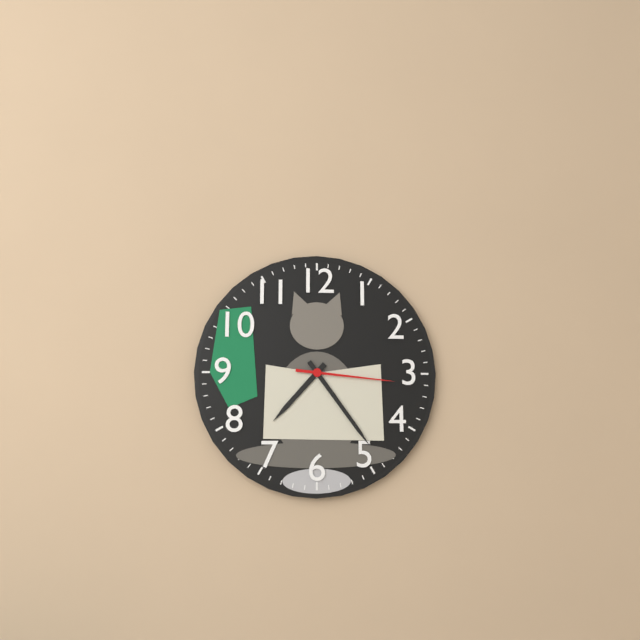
7.24.16
